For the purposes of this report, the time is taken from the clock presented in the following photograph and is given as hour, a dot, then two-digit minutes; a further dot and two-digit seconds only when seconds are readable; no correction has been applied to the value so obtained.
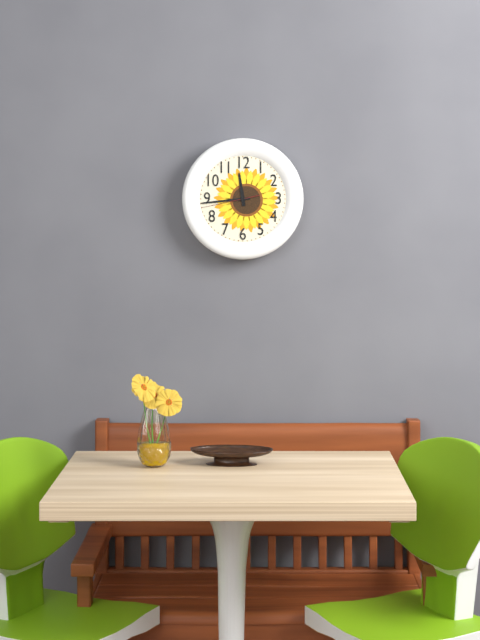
11.44.43
